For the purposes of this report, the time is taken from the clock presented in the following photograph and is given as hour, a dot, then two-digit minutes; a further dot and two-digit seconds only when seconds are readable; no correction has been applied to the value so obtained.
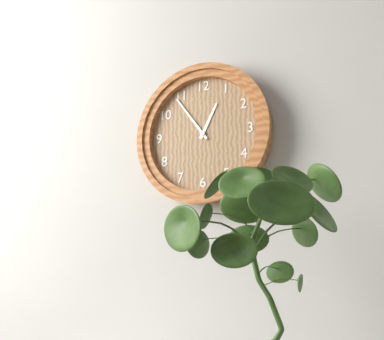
12.54
